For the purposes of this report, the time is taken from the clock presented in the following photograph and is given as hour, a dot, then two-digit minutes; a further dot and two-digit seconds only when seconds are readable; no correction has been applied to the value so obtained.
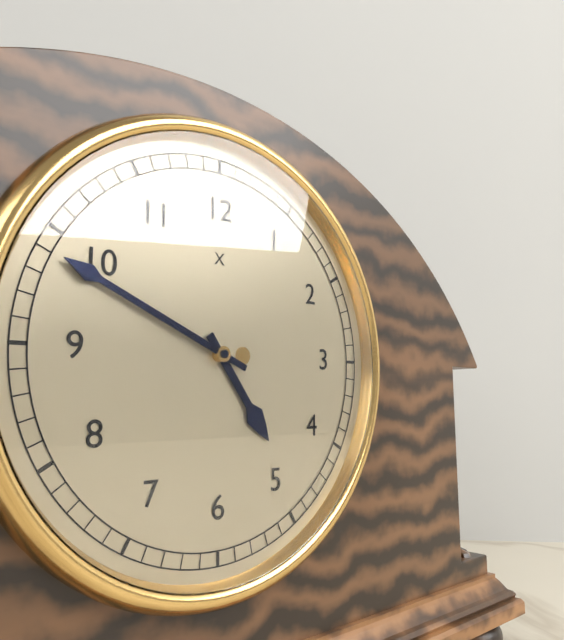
4.49
